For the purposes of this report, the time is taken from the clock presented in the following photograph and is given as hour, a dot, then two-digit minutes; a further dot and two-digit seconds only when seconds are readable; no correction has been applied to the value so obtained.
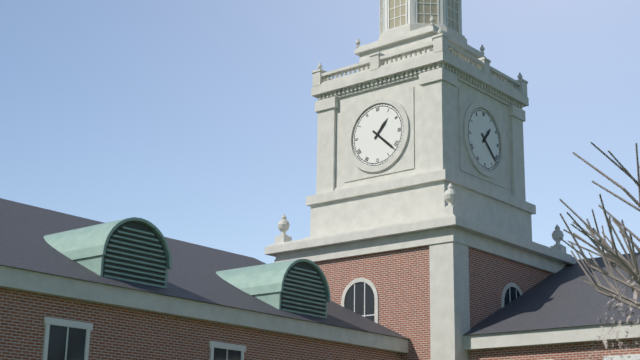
1.22
